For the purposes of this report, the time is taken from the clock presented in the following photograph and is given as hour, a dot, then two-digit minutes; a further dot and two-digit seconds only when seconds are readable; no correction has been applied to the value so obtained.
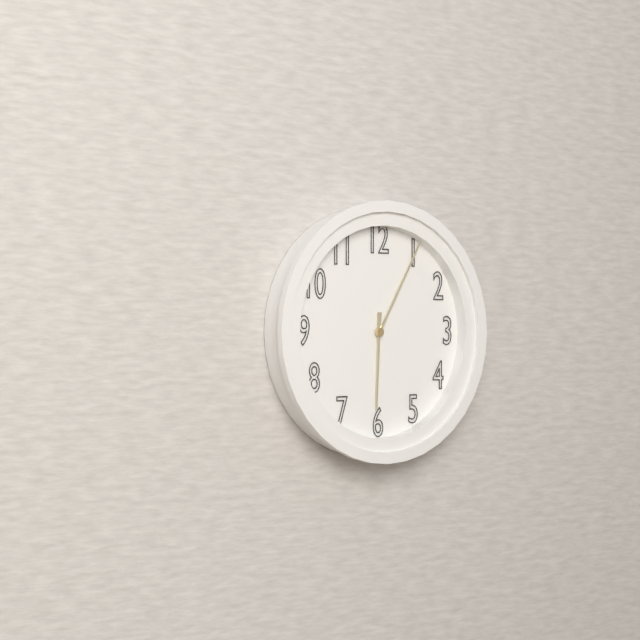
6.05
